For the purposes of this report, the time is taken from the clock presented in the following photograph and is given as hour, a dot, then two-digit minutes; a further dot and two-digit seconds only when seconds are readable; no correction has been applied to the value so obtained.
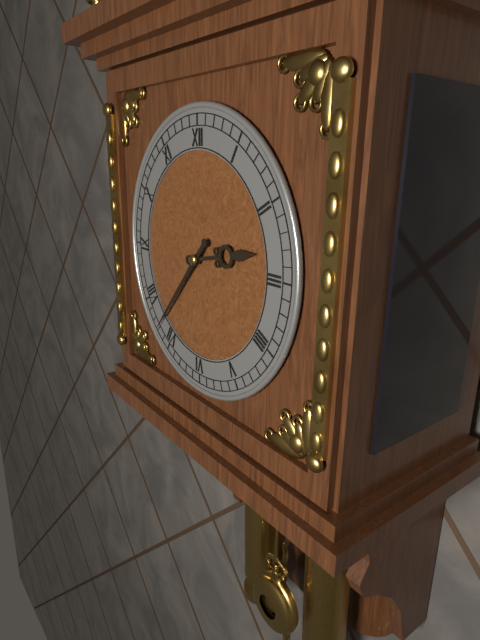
2.37
